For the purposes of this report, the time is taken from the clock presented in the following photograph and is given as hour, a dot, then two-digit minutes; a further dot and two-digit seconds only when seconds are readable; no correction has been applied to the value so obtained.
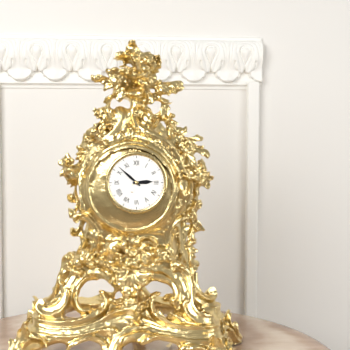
2.52
